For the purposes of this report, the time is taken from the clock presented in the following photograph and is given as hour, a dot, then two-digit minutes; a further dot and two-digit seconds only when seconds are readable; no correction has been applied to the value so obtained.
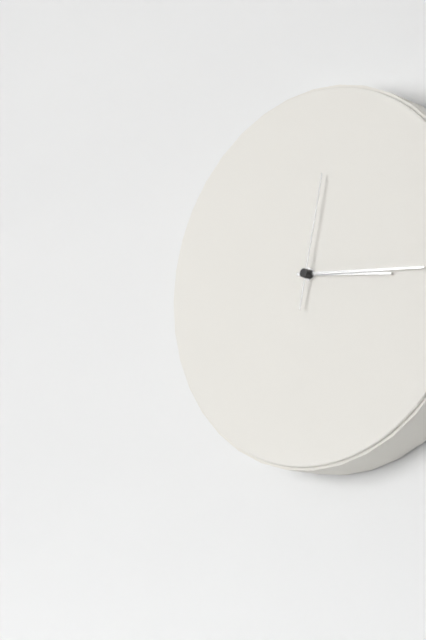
3.16.02
